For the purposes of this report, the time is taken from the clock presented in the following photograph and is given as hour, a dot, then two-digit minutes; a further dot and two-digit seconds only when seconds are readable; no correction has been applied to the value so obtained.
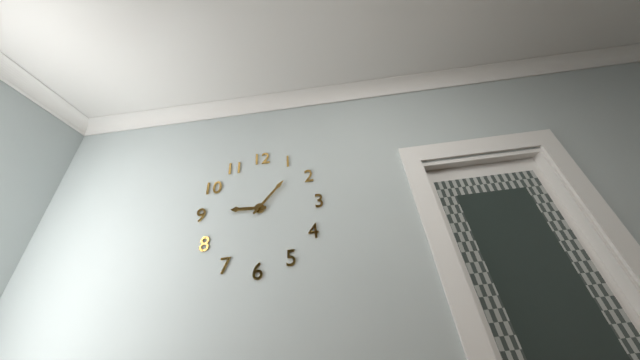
9.07
